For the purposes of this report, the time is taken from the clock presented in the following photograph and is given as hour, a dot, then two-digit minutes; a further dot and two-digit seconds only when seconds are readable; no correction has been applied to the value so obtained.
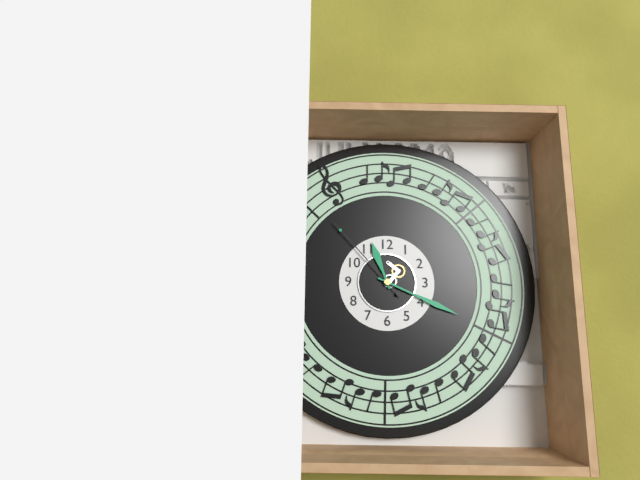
11.19.53
